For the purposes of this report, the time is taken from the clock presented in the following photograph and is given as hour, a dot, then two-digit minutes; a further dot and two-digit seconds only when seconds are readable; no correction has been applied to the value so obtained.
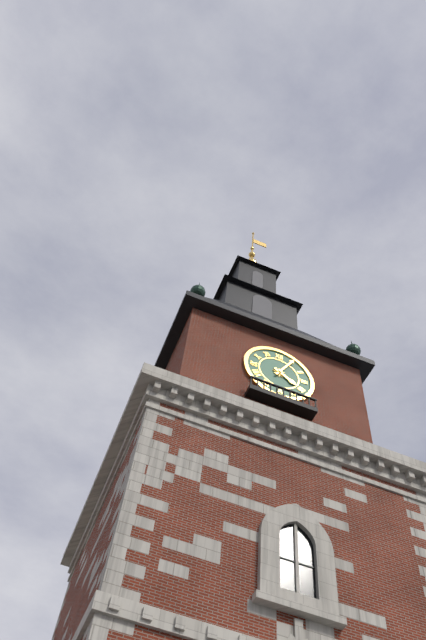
4.05
